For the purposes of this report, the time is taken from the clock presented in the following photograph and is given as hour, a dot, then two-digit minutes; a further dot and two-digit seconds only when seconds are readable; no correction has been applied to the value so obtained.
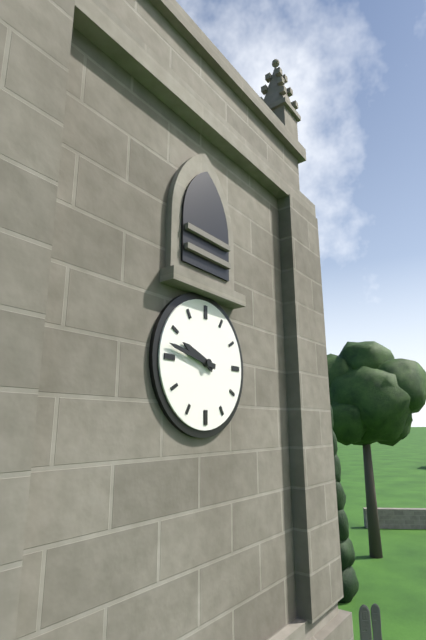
9.47
